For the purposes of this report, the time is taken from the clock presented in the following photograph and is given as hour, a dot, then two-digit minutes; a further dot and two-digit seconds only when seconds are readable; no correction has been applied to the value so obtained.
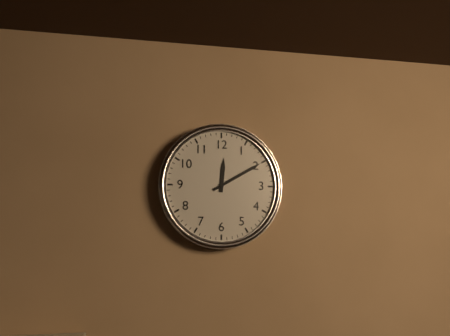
12.10
